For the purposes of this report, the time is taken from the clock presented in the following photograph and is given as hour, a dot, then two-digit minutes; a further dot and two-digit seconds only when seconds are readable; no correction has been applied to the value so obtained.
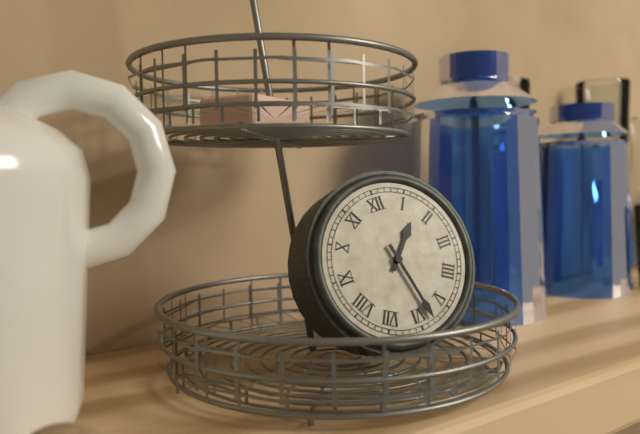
1.28
